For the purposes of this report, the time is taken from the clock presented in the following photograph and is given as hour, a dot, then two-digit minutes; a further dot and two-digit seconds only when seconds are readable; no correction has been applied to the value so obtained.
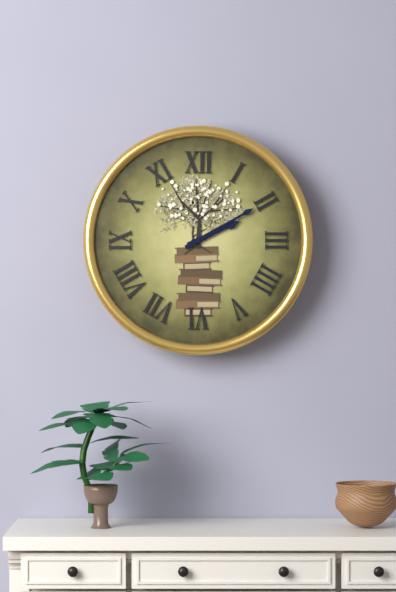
2.10
